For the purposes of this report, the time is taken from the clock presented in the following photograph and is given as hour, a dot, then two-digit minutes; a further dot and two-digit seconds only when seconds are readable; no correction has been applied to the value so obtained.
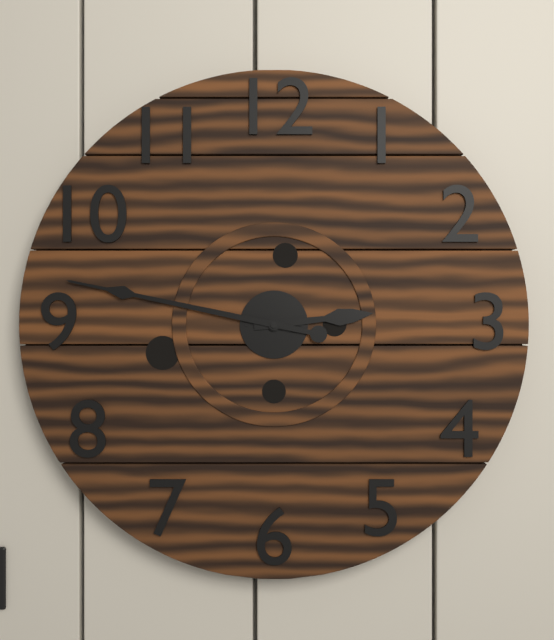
2.47
